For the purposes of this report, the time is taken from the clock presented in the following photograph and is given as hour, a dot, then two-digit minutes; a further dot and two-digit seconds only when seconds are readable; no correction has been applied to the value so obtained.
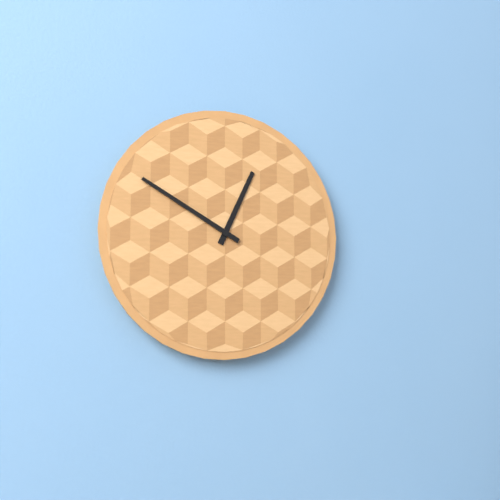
12.50
